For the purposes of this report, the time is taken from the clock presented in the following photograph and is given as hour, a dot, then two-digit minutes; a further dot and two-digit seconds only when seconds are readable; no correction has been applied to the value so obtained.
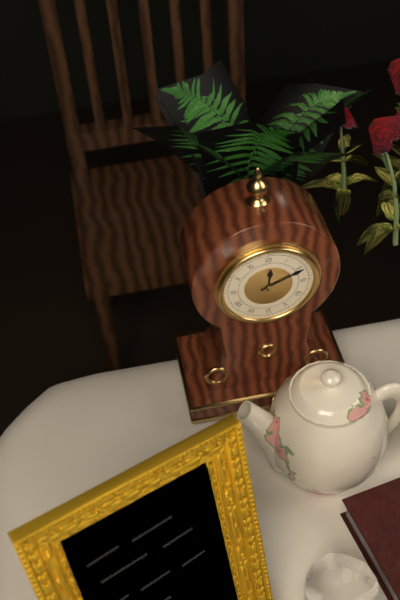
12.11
